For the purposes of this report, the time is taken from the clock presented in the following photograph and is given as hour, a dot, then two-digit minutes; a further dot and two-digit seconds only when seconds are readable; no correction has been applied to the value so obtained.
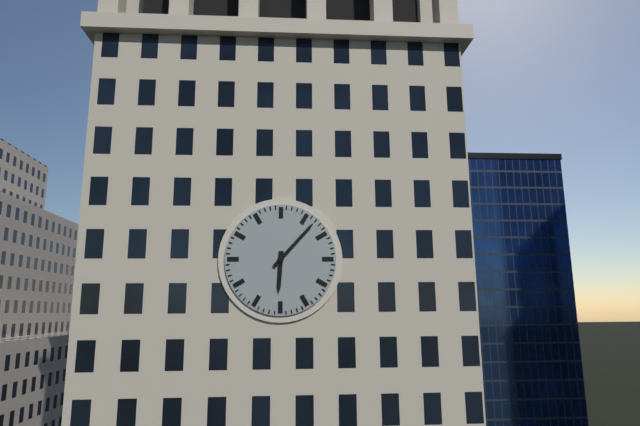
6.07
